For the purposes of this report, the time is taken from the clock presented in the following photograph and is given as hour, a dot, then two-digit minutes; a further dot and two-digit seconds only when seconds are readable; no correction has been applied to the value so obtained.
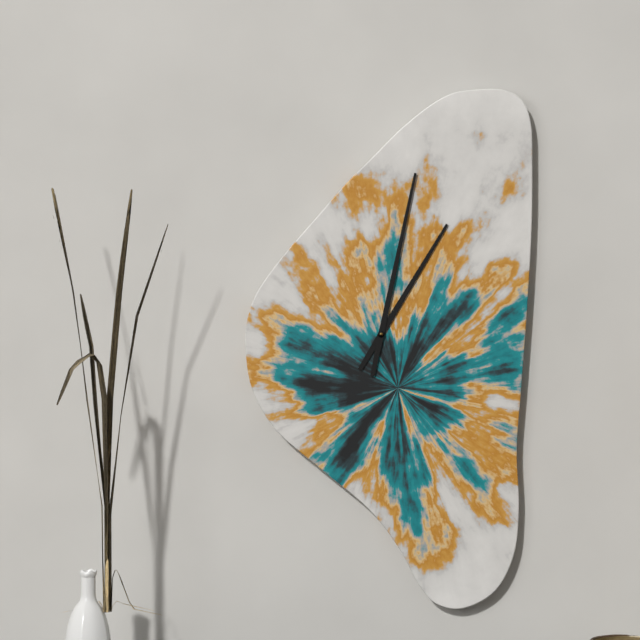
1.02
